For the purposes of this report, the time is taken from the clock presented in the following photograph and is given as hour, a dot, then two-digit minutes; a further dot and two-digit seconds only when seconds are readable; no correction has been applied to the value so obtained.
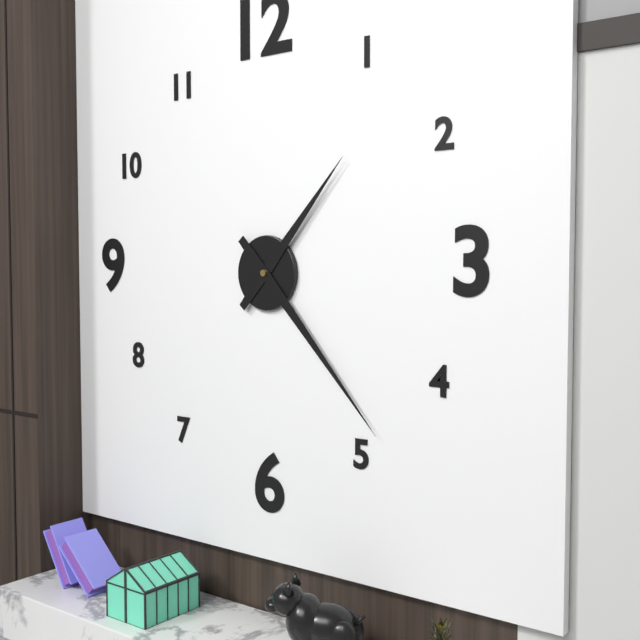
1.23
